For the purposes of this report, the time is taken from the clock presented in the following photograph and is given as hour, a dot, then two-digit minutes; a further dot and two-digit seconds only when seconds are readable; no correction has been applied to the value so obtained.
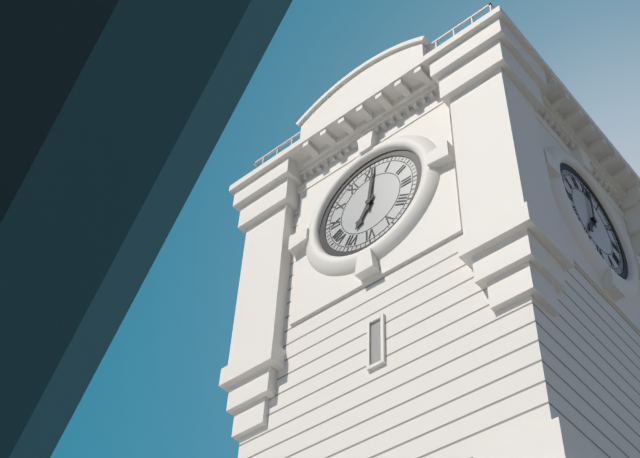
7.01
